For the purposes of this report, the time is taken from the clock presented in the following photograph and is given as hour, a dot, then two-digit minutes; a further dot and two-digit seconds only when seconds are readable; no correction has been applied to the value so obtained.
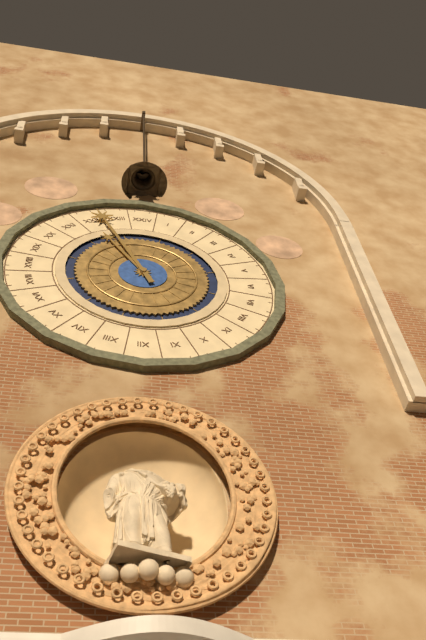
10.56
